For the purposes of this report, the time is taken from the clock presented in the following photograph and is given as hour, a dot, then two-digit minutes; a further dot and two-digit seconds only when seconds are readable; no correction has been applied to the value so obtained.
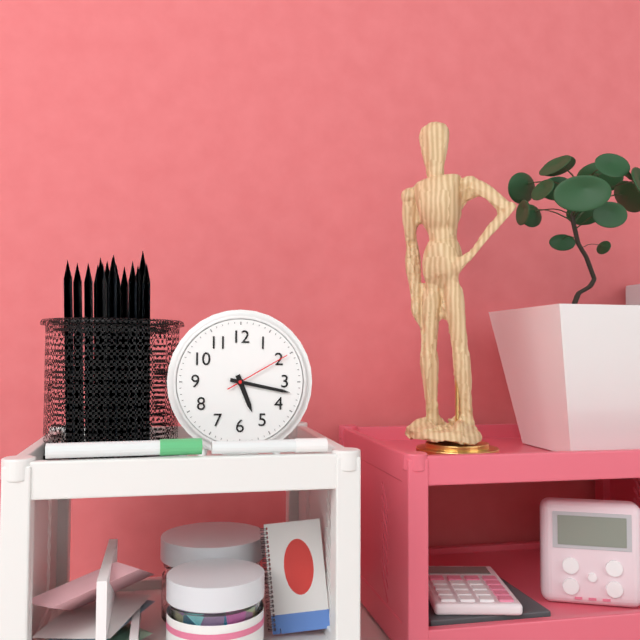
5.17.10
